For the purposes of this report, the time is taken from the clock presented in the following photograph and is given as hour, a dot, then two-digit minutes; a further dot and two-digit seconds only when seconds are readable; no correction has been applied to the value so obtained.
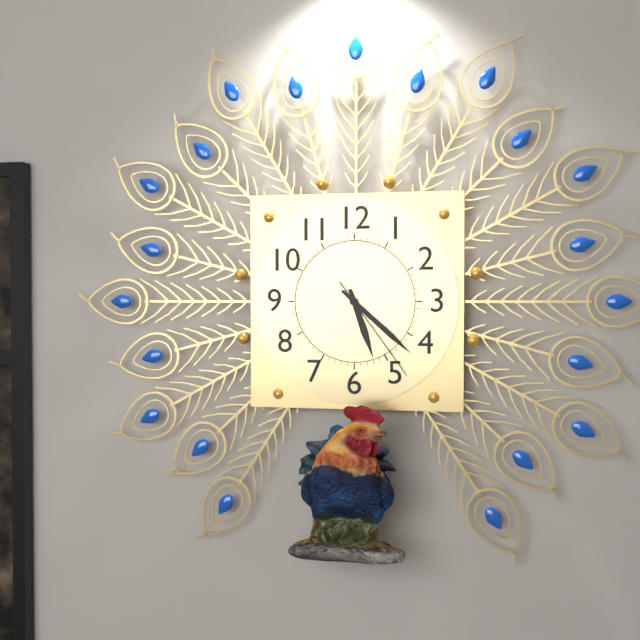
5.22.24
